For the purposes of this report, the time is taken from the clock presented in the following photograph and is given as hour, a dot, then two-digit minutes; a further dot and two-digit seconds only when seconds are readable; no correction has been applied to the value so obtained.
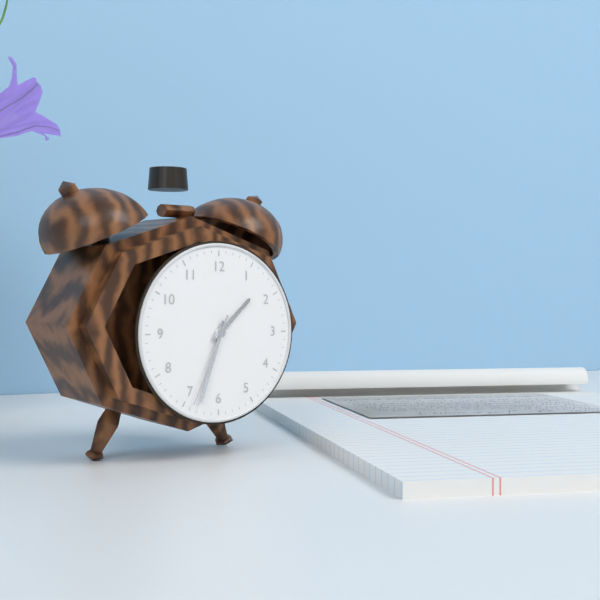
1.33.34
